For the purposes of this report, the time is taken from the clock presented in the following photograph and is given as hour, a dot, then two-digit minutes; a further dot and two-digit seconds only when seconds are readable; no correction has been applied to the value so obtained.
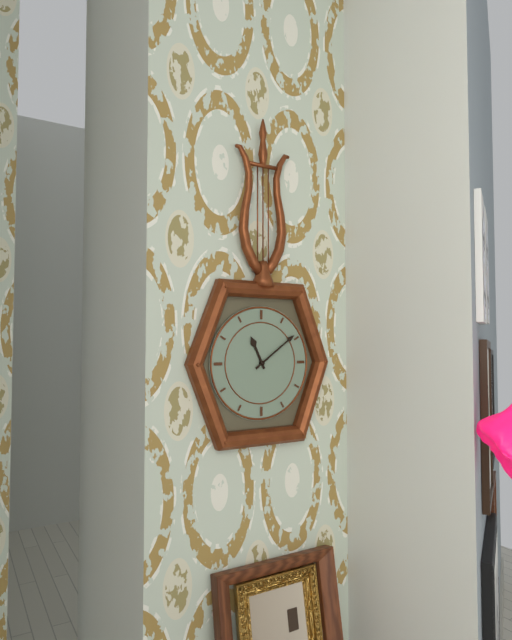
11.09
